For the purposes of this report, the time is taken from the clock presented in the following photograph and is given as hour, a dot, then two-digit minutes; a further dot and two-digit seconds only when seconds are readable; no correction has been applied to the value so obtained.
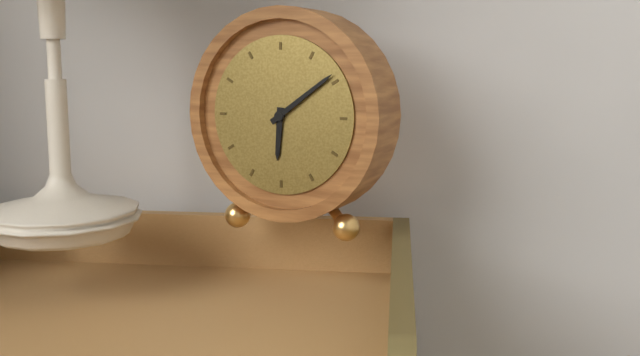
6.09
